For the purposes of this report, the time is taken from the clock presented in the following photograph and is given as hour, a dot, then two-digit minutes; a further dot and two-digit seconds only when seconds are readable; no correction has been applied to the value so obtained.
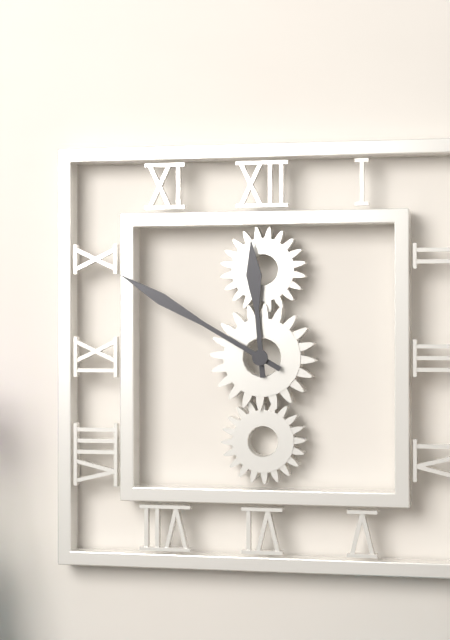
11.50
